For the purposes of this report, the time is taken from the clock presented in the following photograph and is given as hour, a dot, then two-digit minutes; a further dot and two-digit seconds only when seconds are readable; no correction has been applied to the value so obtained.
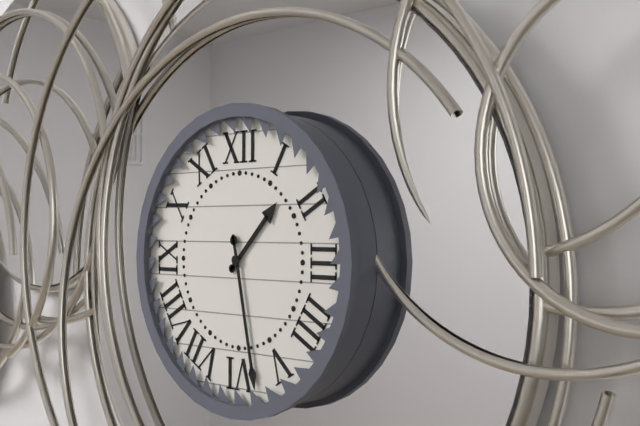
1.28
